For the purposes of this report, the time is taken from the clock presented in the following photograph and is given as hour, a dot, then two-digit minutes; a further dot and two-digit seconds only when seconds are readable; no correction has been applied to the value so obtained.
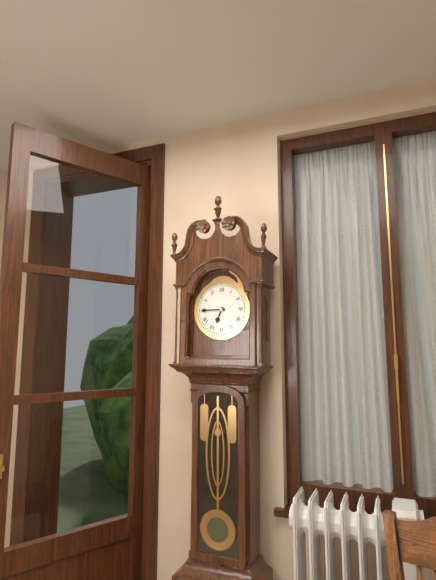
6.45
